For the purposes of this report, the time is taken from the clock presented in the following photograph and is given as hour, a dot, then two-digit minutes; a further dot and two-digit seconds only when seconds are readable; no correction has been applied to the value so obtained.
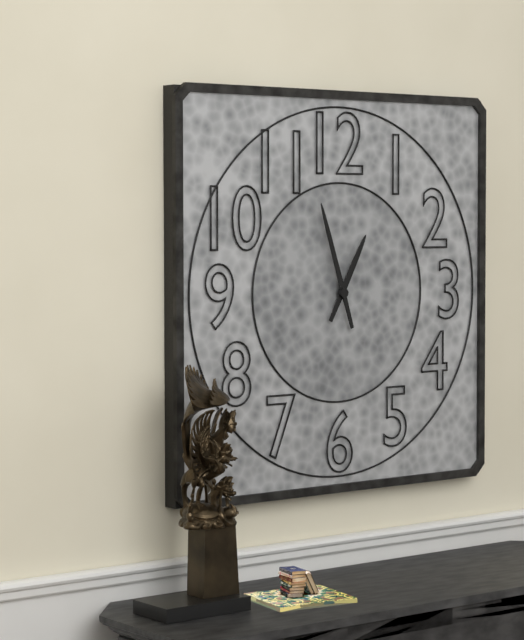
12.57
